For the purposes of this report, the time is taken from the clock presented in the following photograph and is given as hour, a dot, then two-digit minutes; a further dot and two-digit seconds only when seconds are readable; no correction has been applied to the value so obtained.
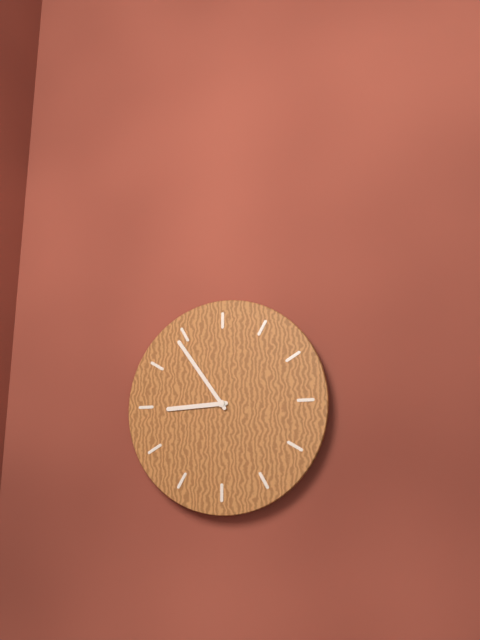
8.54
